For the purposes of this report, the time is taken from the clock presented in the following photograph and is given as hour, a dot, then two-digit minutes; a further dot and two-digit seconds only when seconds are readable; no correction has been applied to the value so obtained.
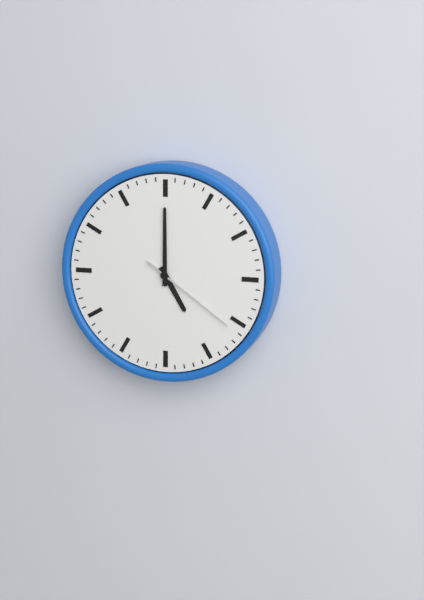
5.00.21
